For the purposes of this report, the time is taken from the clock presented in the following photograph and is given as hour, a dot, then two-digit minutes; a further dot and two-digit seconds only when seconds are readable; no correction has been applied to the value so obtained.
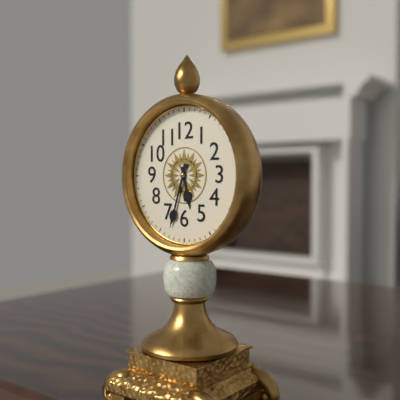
5.33
